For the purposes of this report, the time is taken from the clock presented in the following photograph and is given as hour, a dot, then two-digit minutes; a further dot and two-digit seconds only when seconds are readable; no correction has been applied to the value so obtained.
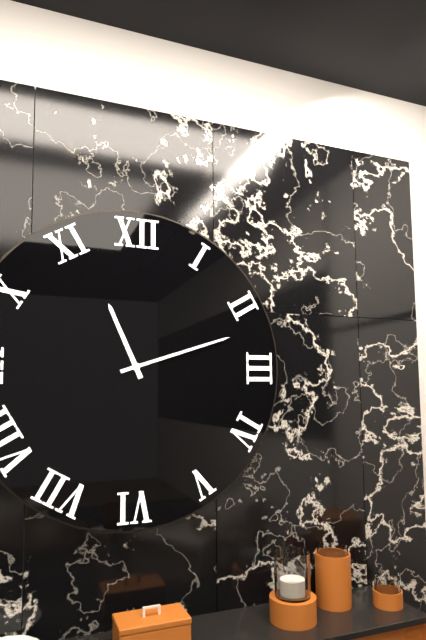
11.12
